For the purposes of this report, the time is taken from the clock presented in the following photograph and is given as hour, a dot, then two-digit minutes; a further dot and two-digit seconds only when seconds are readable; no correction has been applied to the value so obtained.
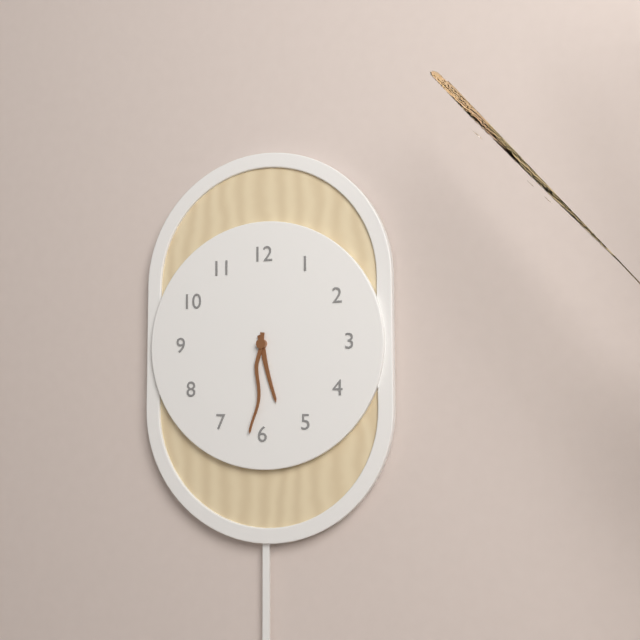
5.31
